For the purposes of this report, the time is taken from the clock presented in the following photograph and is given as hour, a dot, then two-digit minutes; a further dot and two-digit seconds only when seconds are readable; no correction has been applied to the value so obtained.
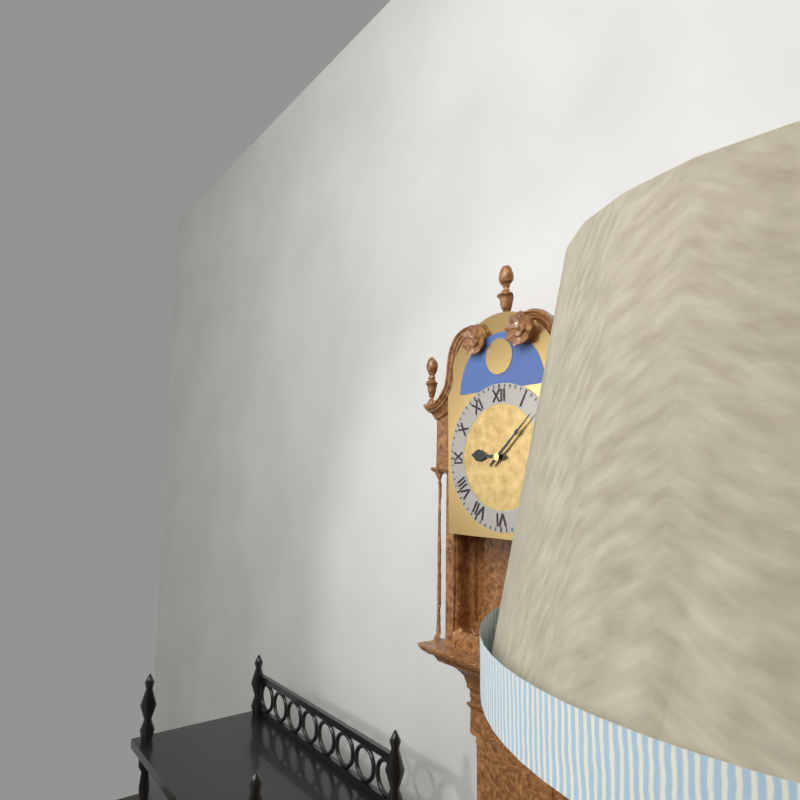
9.08
